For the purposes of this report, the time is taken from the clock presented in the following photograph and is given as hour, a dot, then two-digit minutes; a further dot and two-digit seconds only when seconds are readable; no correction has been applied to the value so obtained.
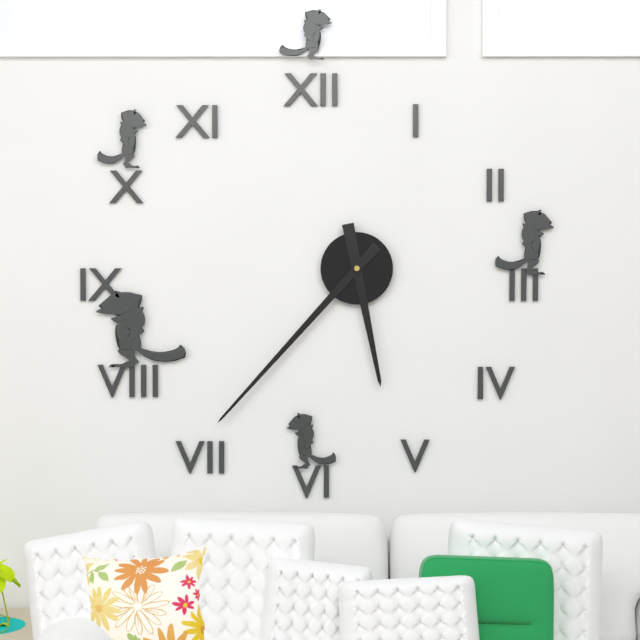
5.37
